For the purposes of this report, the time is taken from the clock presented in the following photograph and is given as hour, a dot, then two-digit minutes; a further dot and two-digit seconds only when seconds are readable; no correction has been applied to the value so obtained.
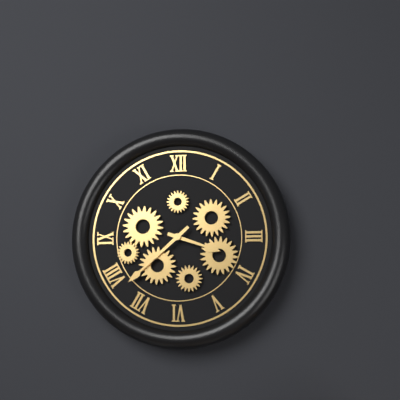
3.38
